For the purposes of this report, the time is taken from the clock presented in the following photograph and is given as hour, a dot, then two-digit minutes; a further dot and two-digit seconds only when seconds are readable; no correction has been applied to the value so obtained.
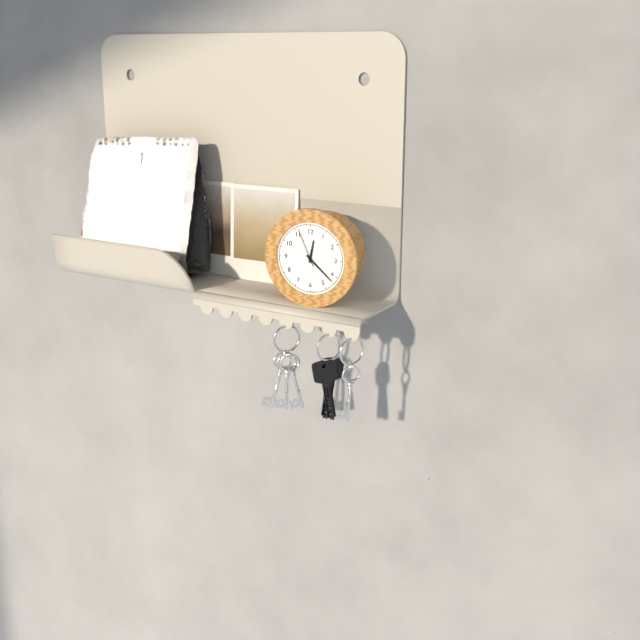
12.22
